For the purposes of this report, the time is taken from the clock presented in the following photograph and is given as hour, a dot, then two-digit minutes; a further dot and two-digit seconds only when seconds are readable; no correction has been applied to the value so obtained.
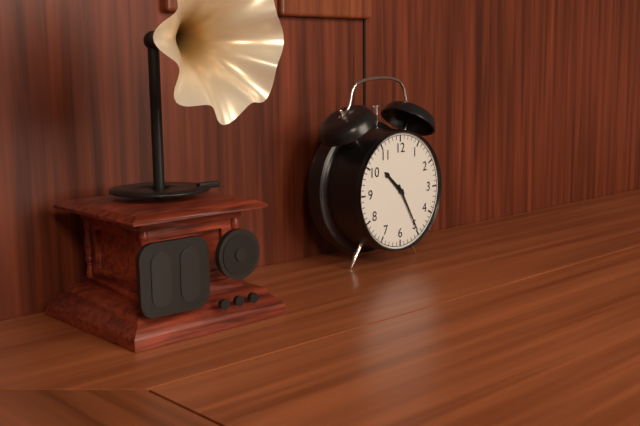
10.25
